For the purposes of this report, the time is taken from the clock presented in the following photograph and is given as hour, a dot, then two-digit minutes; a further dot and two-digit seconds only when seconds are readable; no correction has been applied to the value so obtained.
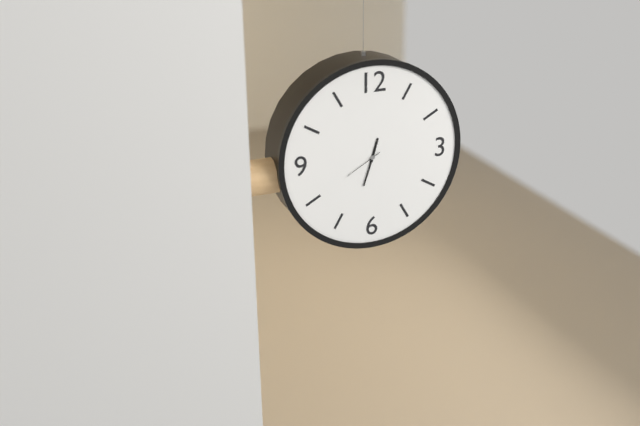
12.33
